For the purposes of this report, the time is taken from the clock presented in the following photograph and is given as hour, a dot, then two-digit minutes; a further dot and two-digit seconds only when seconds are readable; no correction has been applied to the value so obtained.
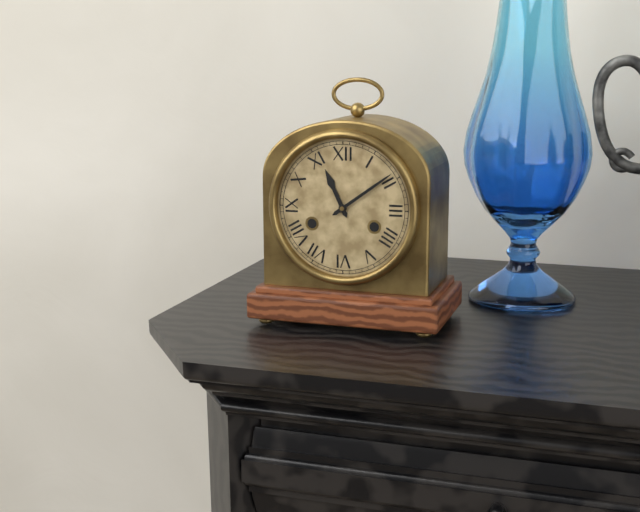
11.09
